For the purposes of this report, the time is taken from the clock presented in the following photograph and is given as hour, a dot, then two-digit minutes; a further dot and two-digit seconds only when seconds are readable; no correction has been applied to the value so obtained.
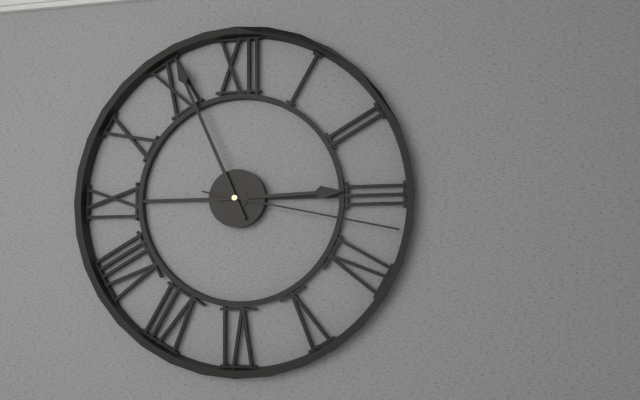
2.56.17
